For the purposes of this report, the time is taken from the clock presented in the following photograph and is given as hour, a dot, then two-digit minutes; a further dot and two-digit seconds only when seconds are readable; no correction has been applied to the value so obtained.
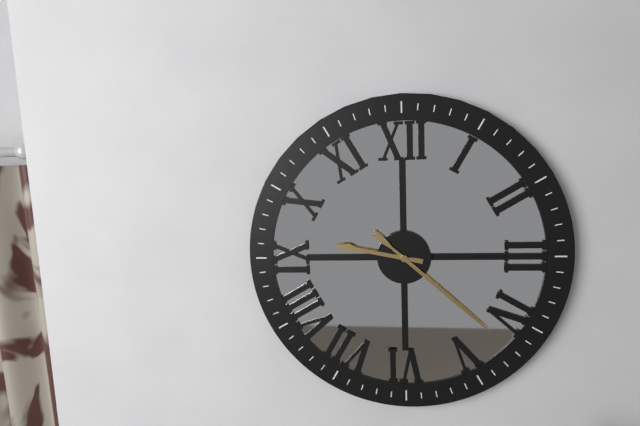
9.22
